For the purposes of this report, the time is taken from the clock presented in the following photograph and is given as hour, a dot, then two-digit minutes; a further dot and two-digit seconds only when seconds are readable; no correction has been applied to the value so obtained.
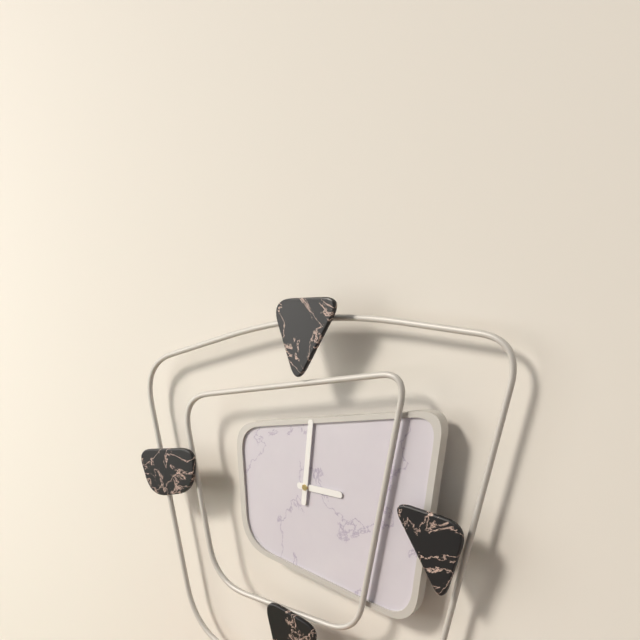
3.01
